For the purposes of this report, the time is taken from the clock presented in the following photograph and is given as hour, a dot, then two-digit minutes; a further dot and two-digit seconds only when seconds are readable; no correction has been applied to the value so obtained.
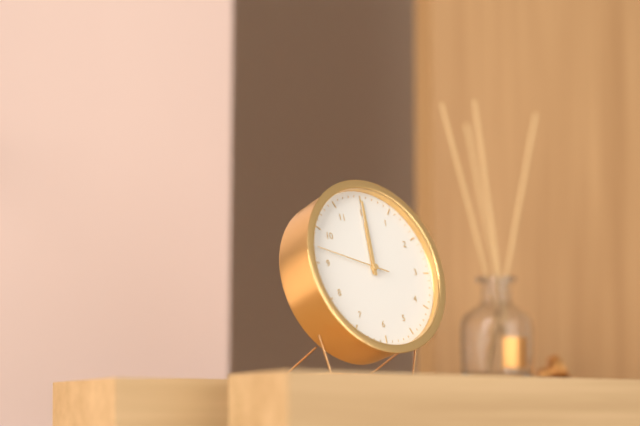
12.00.47
